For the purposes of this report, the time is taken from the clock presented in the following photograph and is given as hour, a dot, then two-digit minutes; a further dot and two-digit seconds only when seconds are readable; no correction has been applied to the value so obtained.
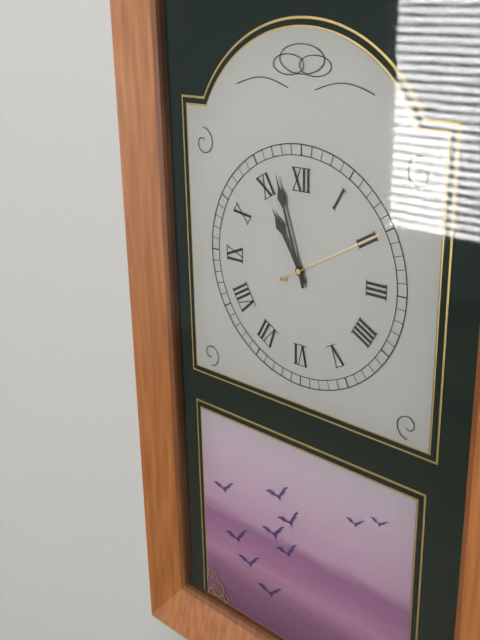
10.57.10
